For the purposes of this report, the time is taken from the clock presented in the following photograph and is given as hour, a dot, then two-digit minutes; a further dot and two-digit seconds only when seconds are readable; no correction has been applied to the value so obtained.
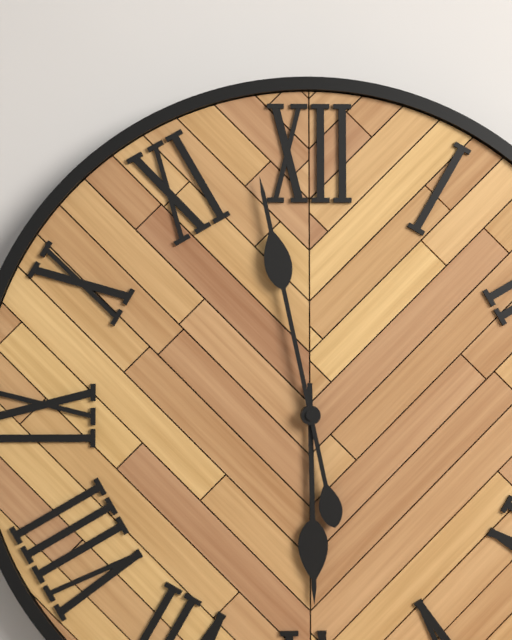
5.58
